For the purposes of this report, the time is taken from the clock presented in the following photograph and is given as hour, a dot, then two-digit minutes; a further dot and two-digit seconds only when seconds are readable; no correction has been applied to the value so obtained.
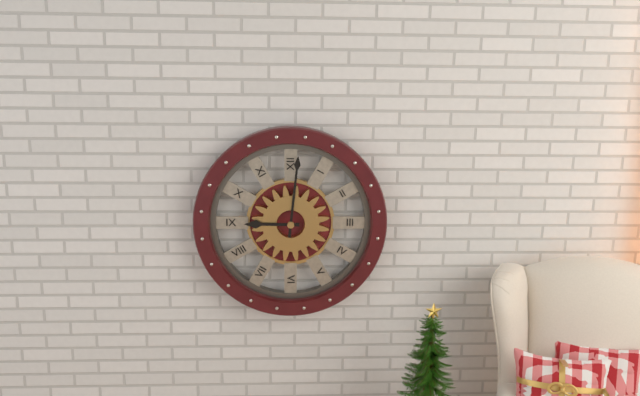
9.01
